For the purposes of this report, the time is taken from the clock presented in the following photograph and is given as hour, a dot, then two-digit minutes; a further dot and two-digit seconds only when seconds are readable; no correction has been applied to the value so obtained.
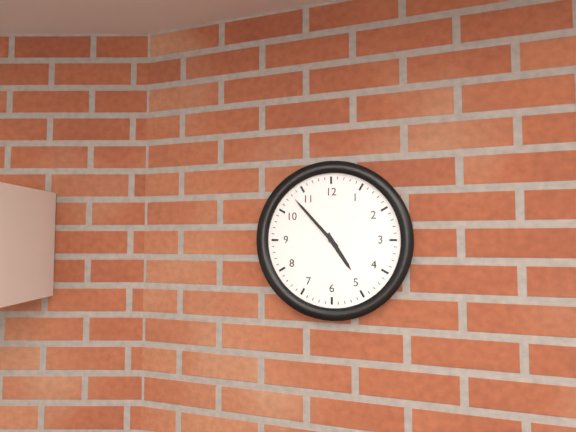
4.53
